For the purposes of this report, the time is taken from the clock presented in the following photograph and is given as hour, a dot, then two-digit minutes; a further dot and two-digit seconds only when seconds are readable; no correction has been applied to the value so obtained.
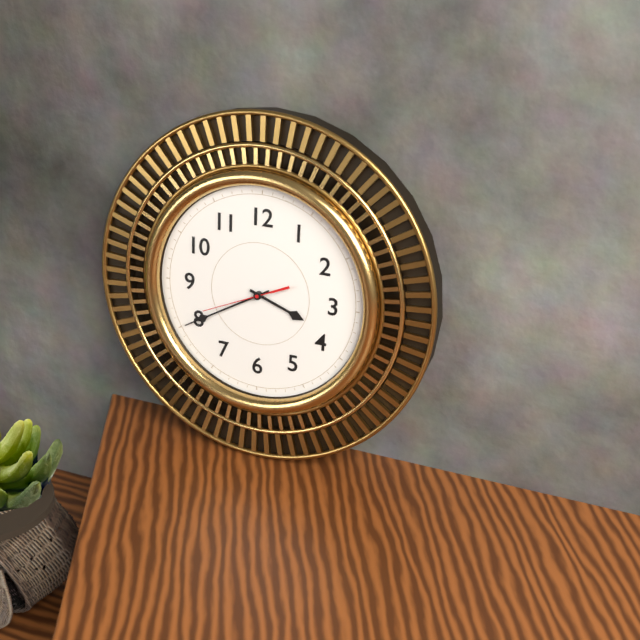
3.40.41
